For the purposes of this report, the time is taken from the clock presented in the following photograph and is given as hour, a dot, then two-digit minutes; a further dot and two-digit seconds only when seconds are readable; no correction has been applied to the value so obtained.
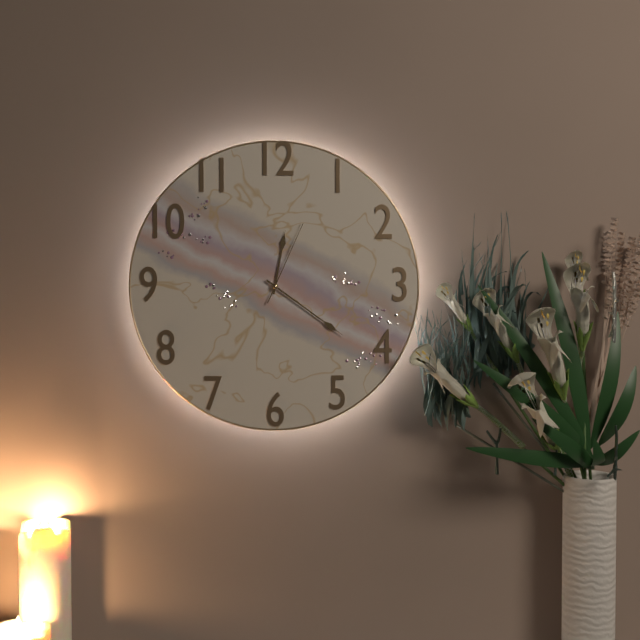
12.21.04
